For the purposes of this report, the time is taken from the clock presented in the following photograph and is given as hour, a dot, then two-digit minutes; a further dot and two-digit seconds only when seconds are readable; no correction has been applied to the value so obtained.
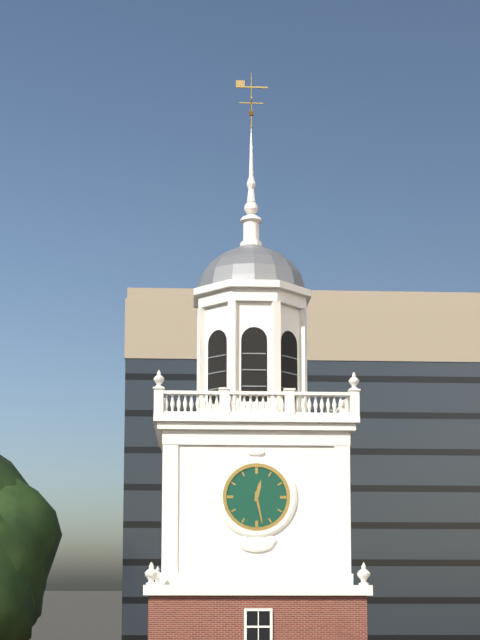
12.28
